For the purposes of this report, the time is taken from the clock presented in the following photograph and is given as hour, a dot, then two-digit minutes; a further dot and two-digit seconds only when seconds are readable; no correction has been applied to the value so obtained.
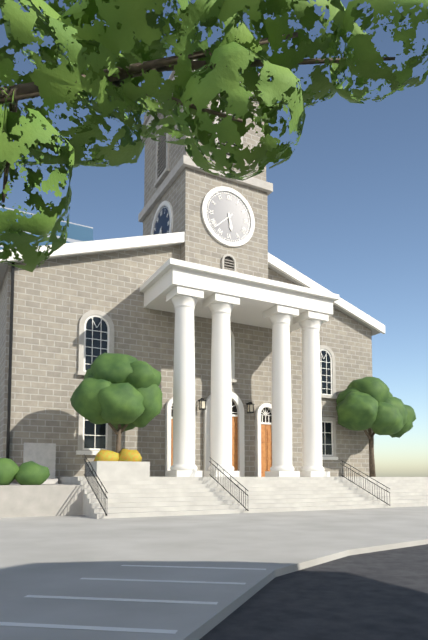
5.38
